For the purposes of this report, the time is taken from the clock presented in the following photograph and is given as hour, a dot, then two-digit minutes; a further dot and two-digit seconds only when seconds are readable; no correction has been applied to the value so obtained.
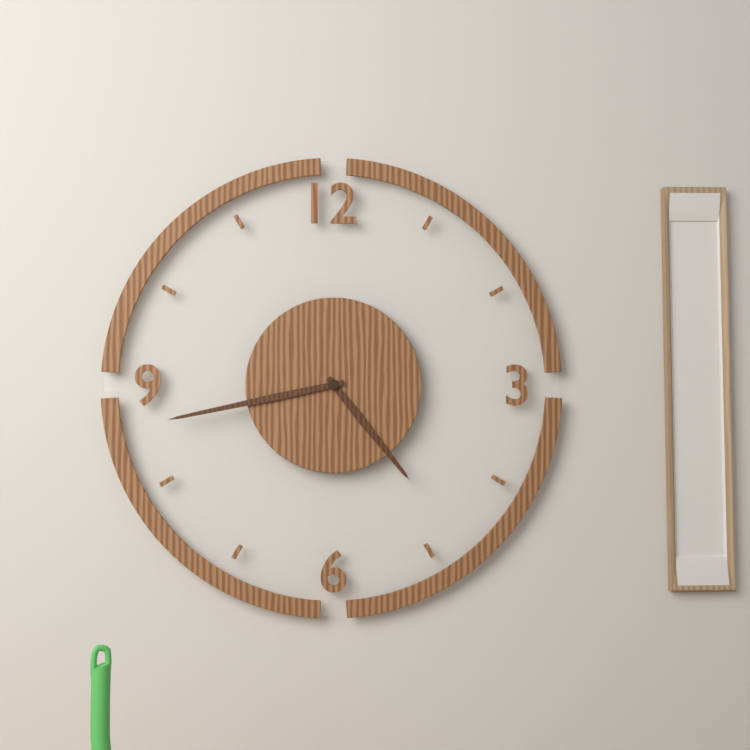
4.43
